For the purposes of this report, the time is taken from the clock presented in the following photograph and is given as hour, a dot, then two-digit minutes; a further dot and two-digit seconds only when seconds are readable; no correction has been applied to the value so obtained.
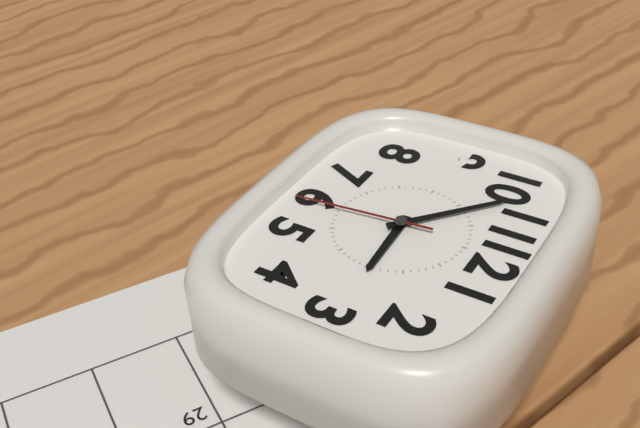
2.52.29
